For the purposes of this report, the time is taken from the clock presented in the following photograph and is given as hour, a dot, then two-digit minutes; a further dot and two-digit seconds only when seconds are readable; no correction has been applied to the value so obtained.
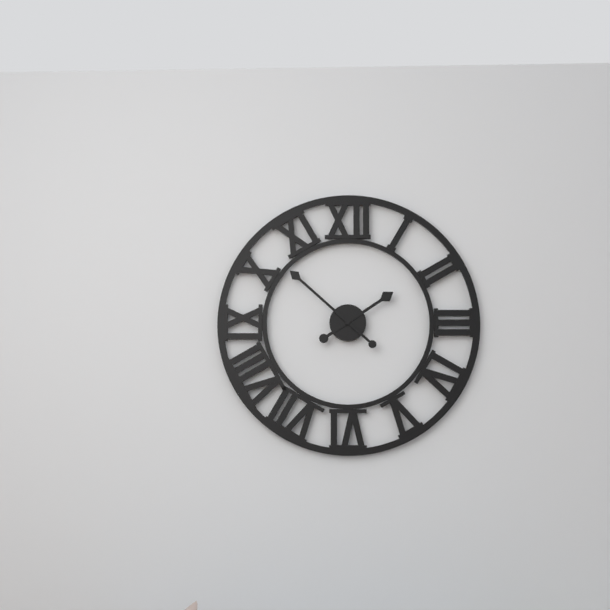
1.52
